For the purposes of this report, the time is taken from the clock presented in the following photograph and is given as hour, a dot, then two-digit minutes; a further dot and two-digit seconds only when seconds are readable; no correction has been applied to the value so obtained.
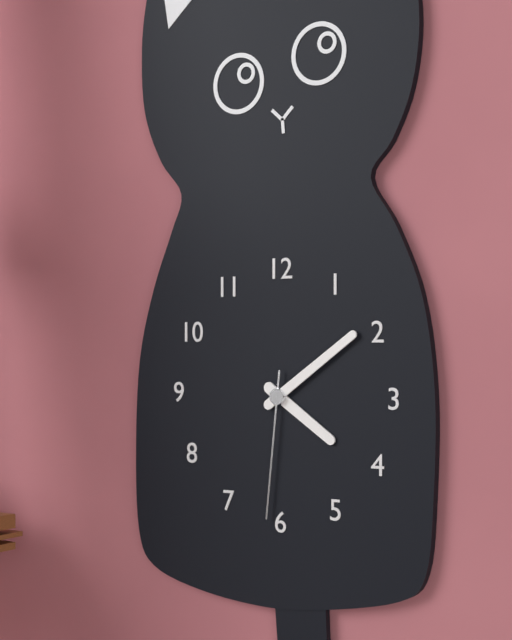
4.09.31
